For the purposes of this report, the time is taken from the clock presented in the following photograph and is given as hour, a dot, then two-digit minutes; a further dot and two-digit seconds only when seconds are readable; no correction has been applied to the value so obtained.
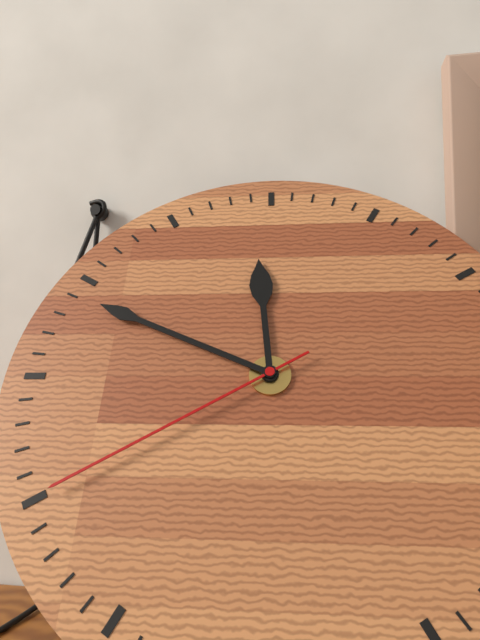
11.49.40
